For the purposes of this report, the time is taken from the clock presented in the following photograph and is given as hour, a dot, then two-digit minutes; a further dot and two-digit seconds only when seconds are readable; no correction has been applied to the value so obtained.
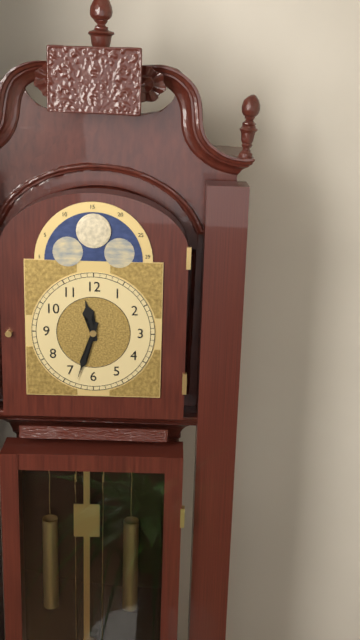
11.33
